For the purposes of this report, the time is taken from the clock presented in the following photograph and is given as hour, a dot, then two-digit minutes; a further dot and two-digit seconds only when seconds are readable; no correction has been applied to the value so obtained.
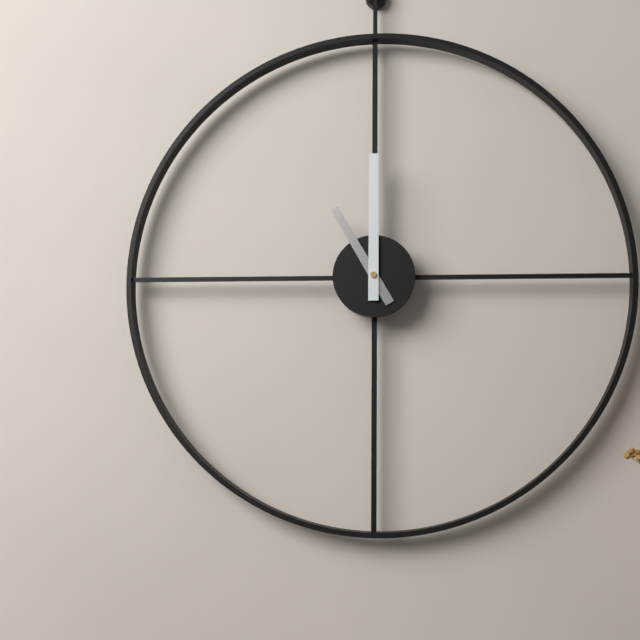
11.00
